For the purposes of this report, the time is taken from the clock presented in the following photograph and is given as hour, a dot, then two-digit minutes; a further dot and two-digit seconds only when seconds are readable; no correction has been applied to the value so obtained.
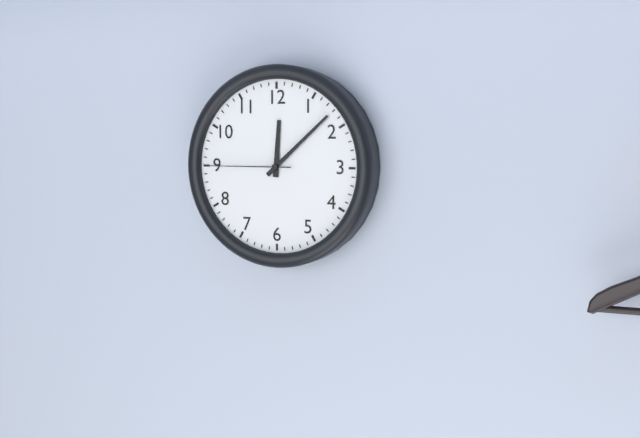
12.08.45
